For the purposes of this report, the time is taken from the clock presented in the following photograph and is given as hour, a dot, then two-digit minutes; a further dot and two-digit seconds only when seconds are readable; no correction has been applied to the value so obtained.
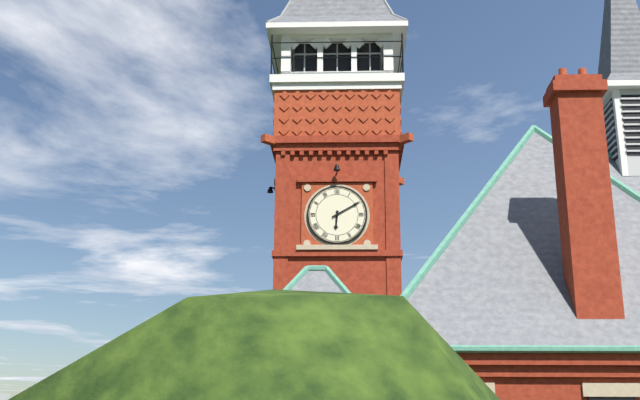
6.10
